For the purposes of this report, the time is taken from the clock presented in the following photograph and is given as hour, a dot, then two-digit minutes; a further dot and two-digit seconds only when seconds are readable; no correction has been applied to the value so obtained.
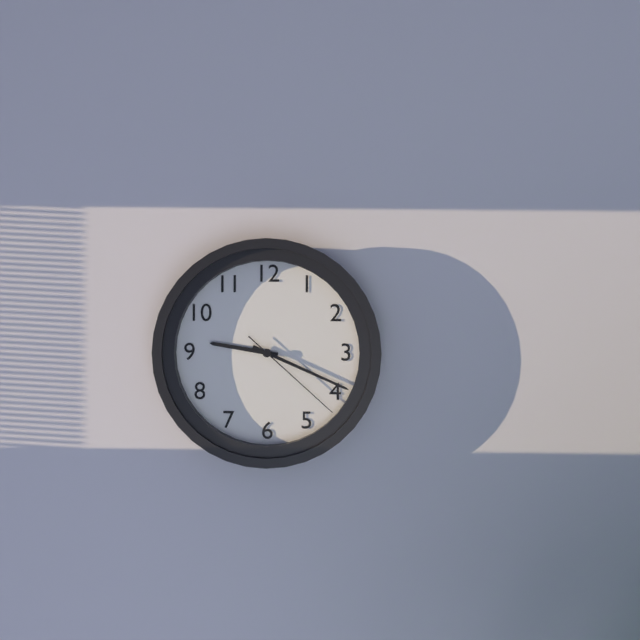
9.19.22
